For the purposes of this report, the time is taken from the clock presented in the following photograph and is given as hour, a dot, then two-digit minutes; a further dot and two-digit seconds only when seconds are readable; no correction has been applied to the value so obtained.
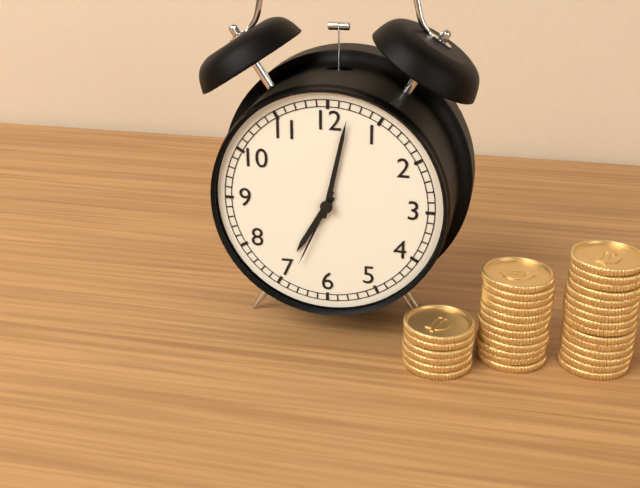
7.02.34
